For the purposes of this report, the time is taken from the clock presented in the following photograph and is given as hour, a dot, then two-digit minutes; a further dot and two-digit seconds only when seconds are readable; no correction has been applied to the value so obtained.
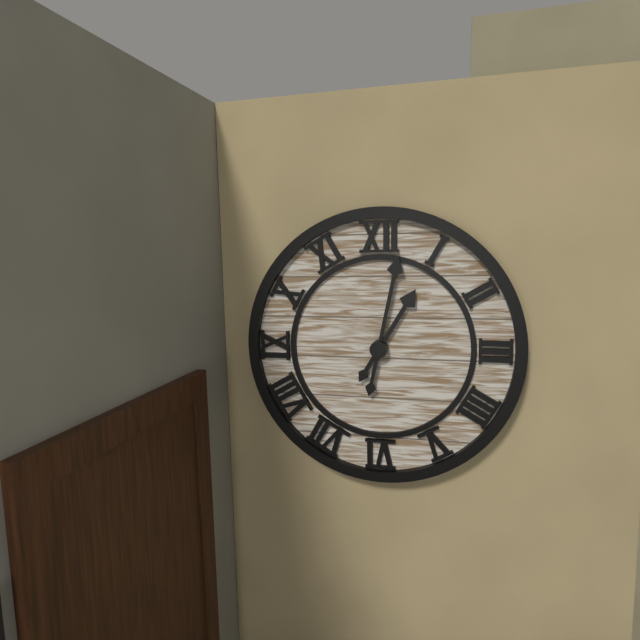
1.02
